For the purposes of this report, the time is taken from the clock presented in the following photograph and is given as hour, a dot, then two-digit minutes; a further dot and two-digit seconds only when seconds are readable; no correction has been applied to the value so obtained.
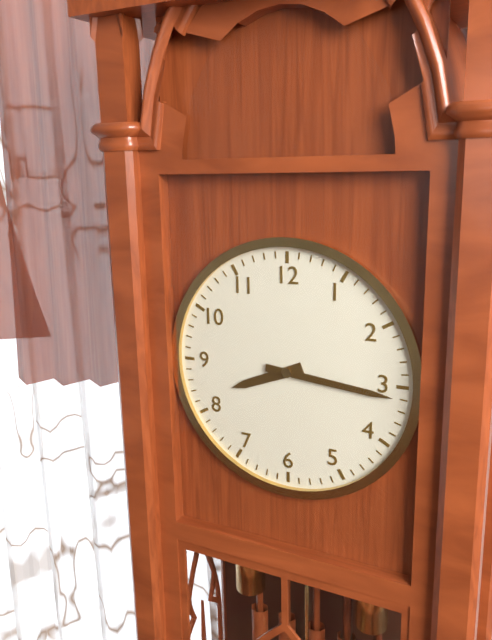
8.16
